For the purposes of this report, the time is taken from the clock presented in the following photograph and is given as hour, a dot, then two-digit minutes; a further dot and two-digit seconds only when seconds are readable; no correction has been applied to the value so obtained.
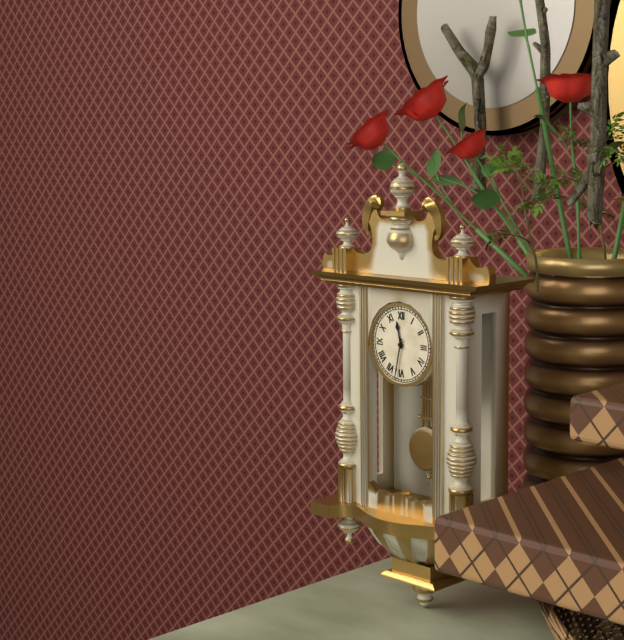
11.32
